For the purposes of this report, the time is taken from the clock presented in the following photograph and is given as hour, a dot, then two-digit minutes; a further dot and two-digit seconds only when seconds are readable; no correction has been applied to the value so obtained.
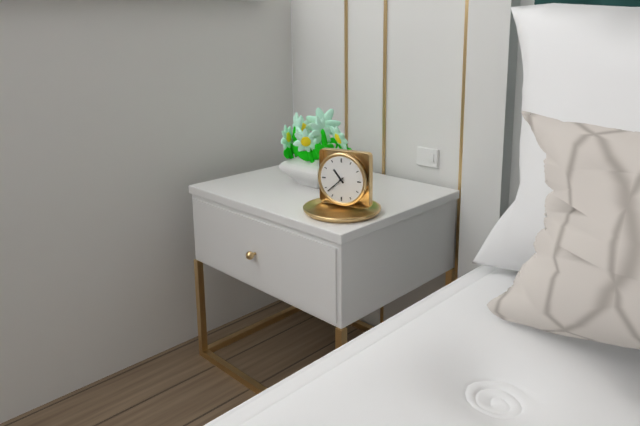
10.38
